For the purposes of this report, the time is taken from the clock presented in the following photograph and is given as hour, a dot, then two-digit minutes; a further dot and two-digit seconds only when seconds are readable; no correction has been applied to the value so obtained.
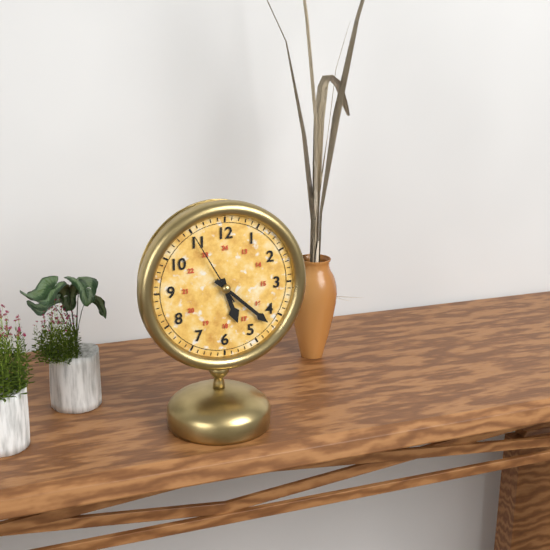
5.22.55
